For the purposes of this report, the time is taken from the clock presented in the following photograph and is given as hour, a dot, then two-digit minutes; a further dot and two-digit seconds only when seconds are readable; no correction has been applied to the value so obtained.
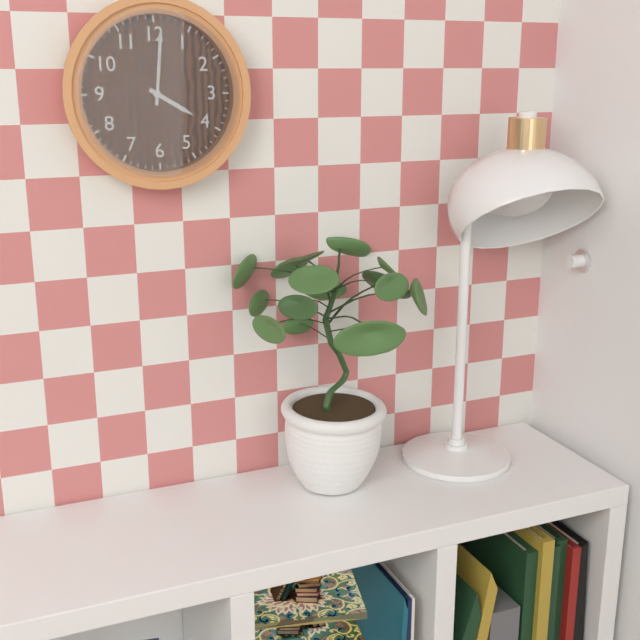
4.01
